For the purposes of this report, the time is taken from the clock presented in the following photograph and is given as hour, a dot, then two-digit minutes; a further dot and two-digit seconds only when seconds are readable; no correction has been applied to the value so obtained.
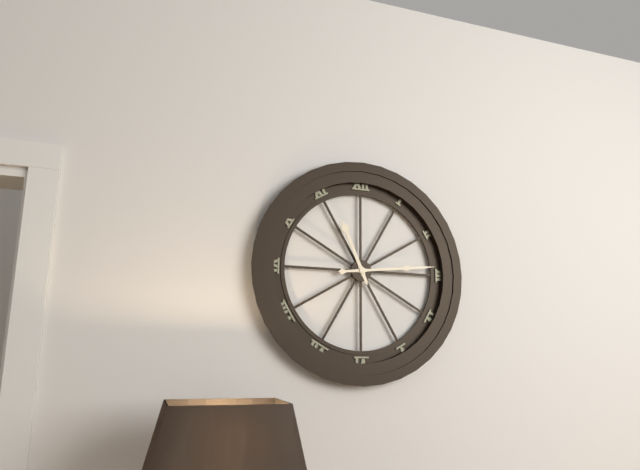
11.14
